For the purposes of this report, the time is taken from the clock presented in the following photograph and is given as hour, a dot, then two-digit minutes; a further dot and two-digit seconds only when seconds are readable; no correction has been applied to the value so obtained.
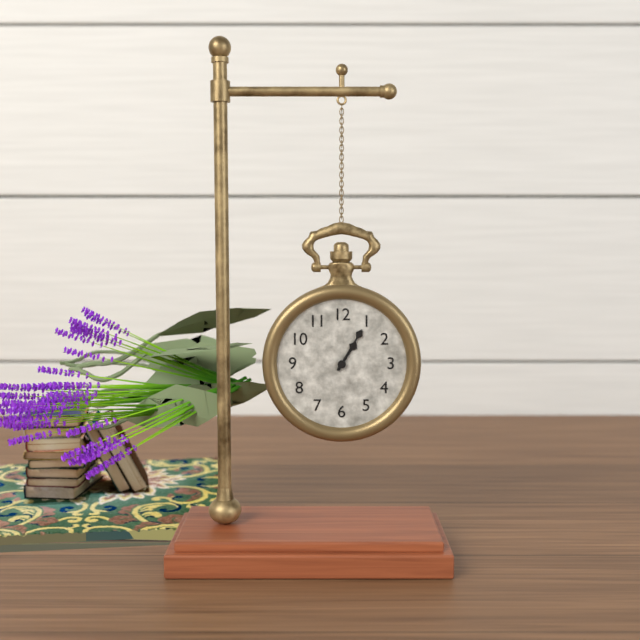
1.05
